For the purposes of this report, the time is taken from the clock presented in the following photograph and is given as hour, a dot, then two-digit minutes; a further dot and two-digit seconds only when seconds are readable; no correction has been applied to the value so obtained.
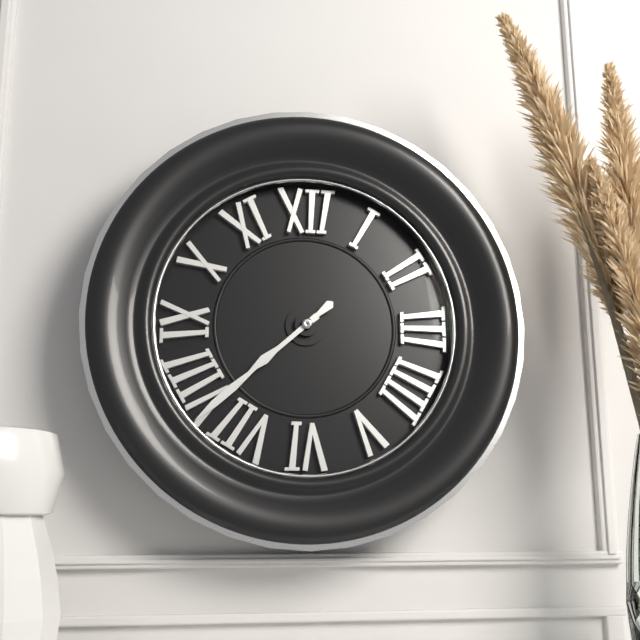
7.38
